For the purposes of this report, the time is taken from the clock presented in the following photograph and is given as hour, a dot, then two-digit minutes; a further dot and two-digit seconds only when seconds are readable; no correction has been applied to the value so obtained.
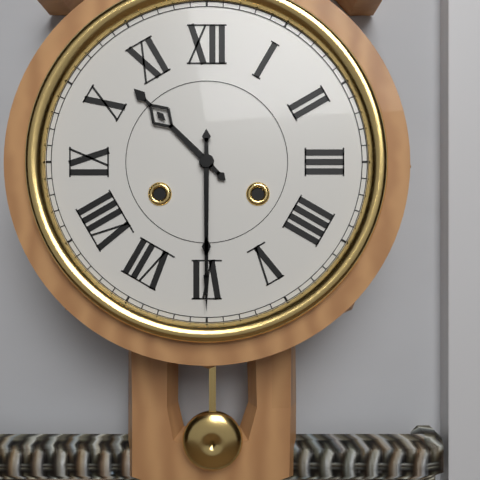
10.30
